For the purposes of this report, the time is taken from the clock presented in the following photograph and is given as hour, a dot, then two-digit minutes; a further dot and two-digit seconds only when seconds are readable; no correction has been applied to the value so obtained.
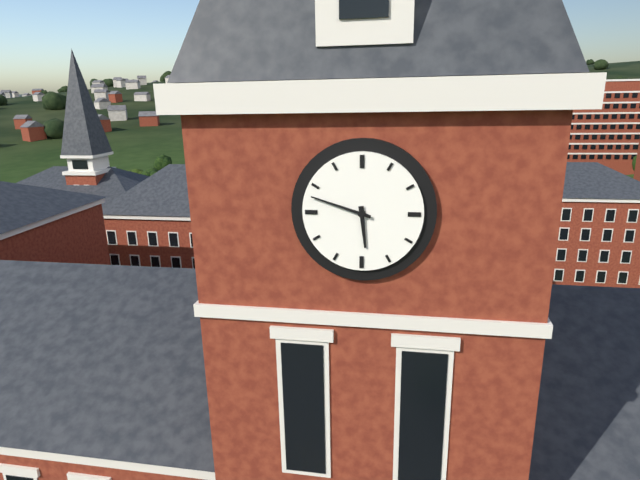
5.48
